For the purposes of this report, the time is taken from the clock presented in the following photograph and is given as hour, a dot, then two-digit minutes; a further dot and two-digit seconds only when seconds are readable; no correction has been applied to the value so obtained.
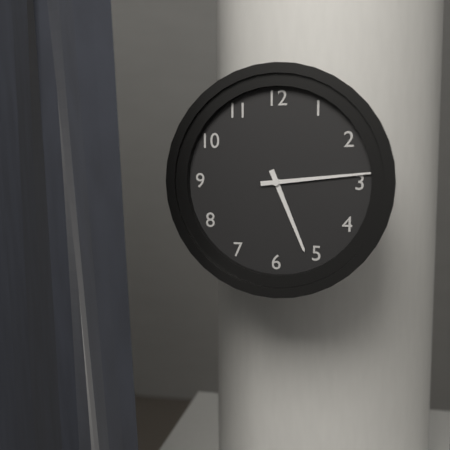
5.14
